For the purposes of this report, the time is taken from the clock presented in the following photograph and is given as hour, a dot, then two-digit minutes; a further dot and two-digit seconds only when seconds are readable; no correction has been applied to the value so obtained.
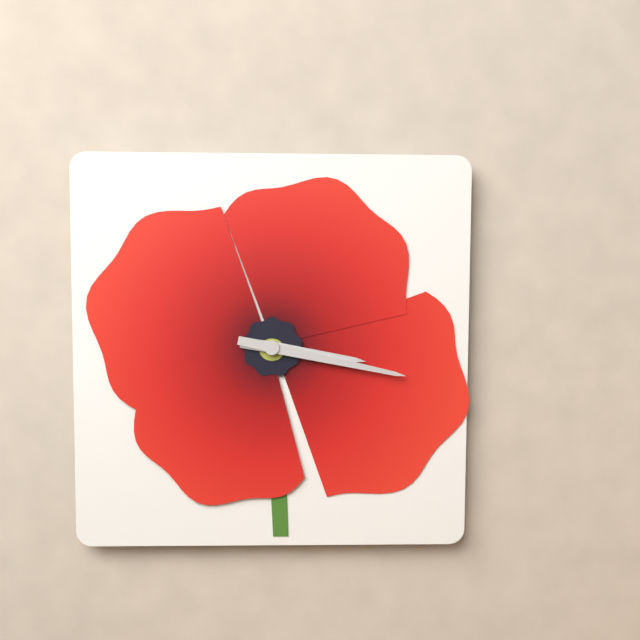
3.17
